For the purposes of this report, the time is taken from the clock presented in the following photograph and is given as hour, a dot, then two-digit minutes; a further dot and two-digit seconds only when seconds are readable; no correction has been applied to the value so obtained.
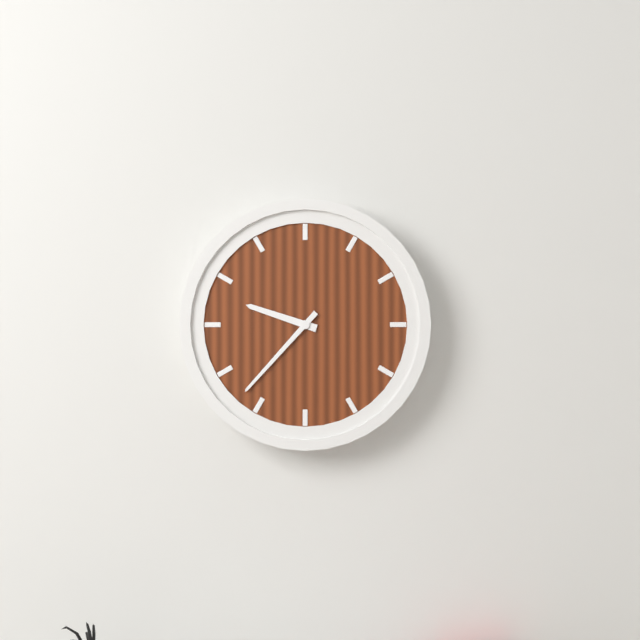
9.37
